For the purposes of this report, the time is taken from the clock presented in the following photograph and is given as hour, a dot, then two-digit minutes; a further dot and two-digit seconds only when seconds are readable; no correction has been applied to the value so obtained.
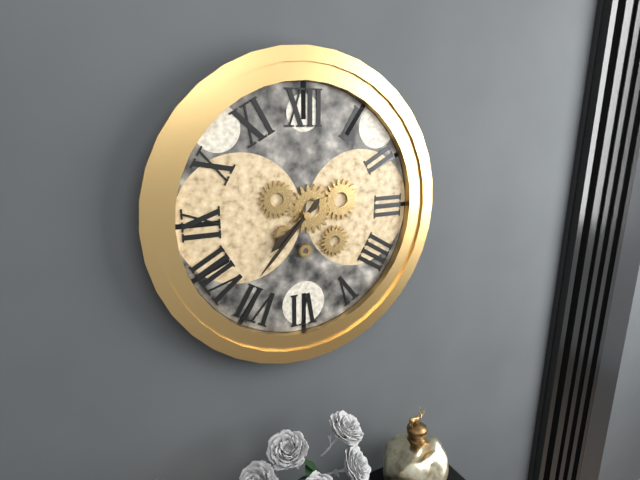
7.37
